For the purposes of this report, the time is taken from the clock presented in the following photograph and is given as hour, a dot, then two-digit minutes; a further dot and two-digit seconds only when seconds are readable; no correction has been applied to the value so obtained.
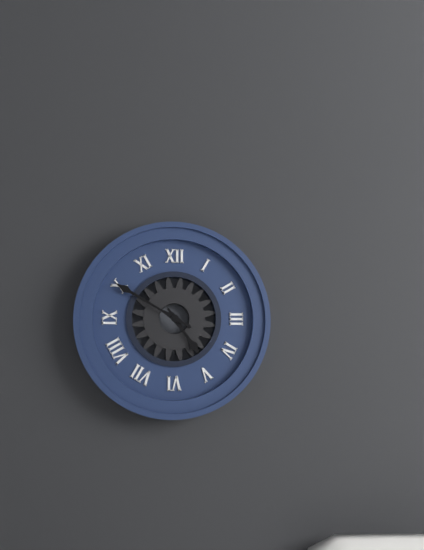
4.50
